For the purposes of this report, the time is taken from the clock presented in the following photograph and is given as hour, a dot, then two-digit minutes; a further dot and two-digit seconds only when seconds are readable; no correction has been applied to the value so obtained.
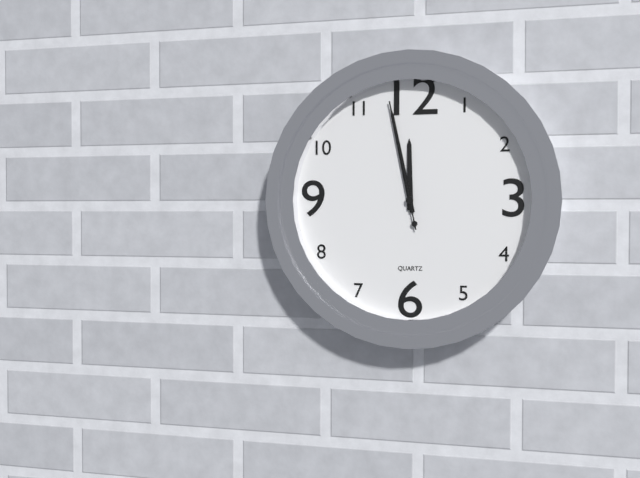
11.58.58
